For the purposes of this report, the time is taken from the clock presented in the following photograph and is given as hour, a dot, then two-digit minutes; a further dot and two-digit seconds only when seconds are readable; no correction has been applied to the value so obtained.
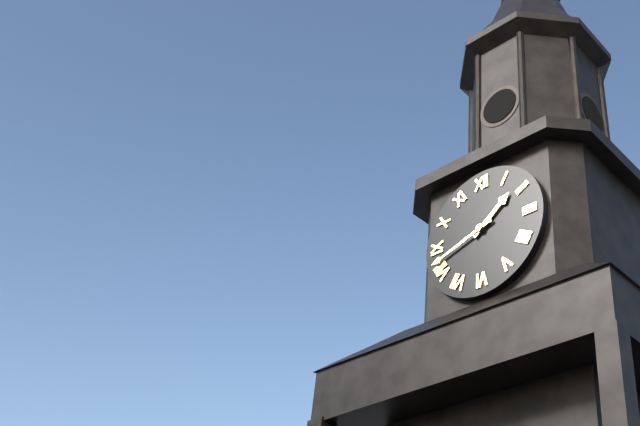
1.42
